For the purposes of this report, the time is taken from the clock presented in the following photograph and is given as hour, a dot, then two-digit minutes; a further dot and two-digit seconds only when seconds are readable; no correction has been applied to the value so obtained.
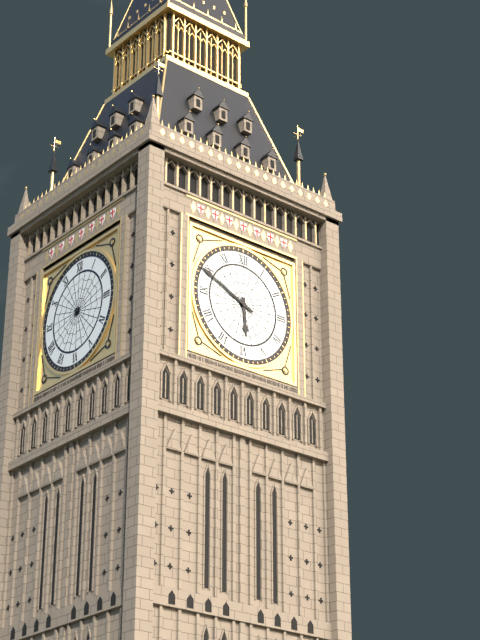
5.49
